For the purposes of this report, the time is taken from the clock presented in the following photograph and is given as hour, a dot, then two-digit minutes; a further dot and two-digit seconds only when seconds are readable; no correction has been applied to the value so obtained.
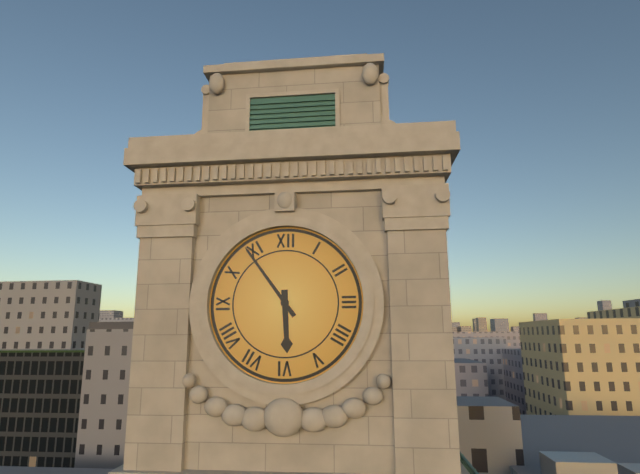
5.54
